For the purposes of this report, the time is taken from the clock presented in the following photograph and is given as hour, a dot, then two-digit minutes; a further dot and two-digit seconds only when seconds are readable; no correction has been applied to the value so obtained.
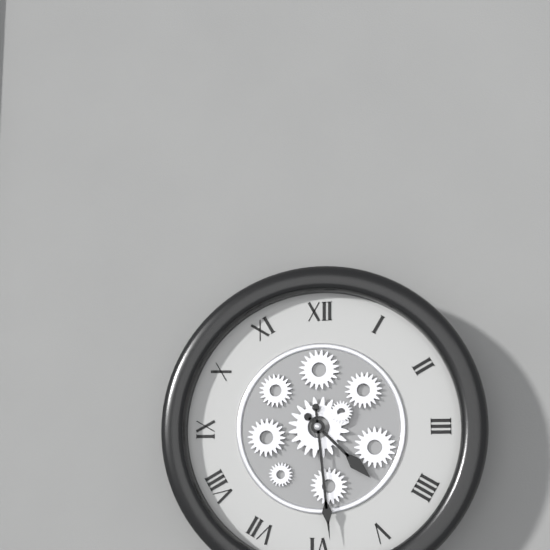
4.29
